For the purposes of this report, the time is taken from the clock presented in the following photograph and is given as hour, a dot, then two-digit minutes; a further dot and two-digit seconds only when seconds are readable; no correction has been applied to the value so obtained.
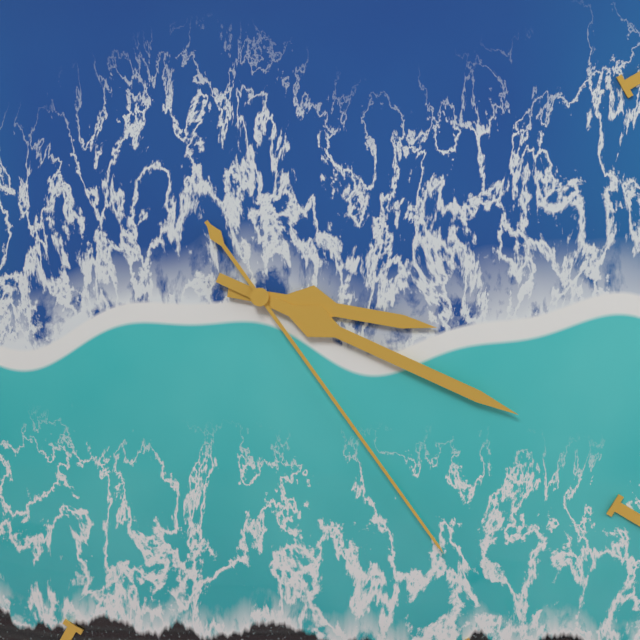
3.19.24
